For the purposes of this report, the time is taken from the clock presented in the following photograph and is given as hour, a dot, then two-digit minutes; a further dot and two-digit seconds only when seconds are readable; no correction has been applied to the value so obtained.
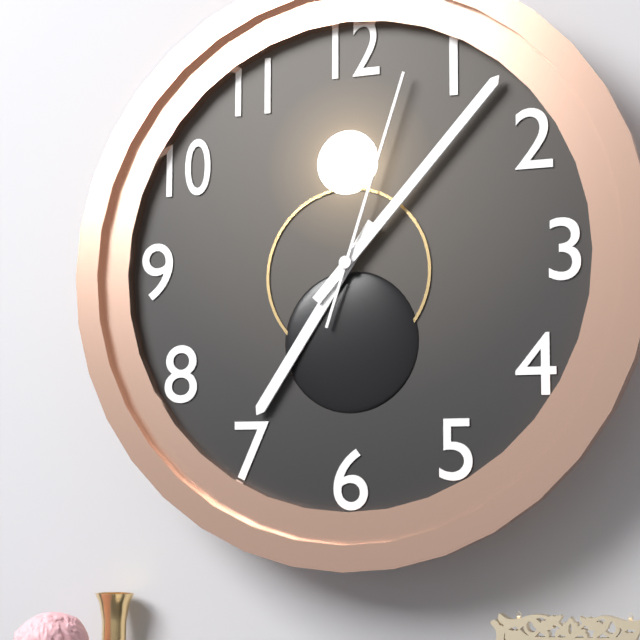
7.07.03
